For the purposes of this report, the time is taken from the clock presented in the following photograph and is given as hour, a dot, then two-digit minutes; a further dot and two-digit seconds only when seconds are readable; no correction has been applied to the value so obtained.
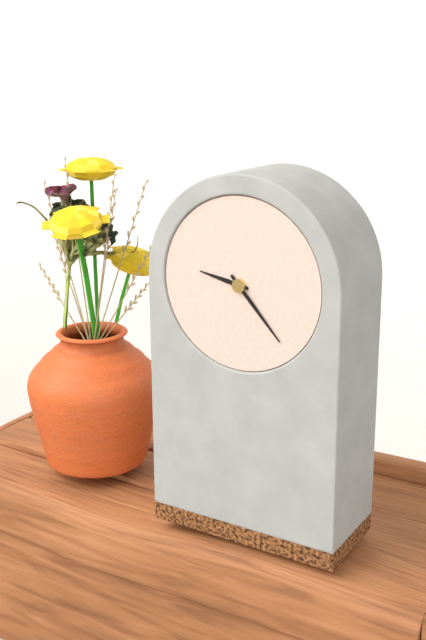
9.23
